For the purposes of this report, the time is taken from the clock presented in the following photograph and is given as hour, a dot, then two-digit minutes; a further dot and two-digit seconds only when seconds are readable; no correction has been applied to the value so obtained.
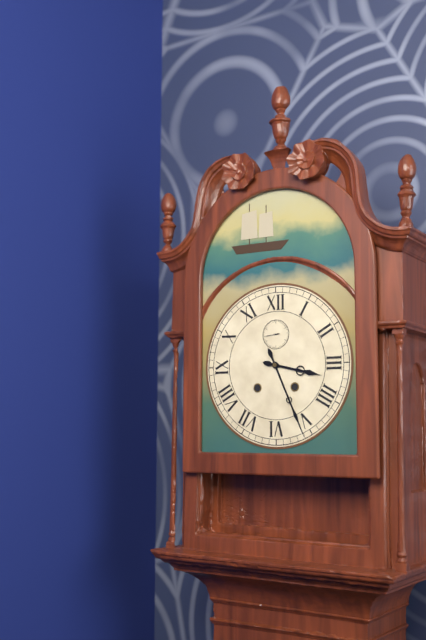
3.26
